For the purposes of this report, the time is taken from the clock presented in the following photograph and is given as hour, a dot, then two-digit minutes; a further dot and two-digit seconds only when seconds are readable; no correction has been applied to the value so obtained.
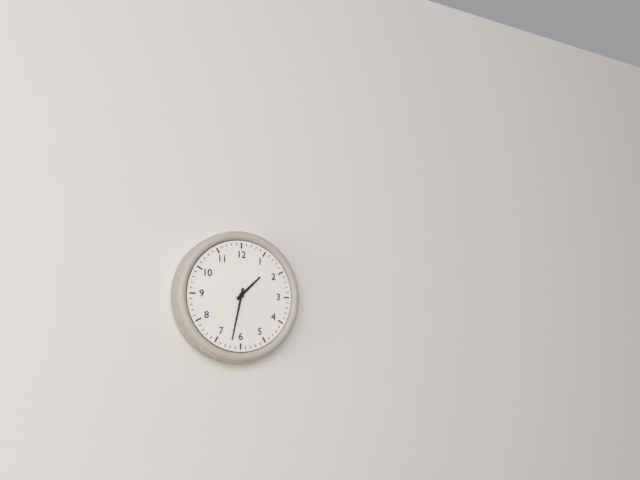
1.32
